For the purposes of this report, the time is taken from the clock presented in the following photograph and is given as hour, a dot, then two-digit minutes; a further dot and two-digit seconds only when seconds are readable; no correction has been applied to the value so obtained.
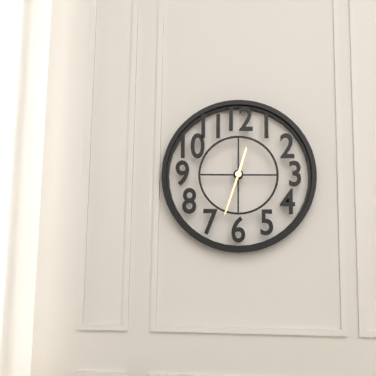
12.33
